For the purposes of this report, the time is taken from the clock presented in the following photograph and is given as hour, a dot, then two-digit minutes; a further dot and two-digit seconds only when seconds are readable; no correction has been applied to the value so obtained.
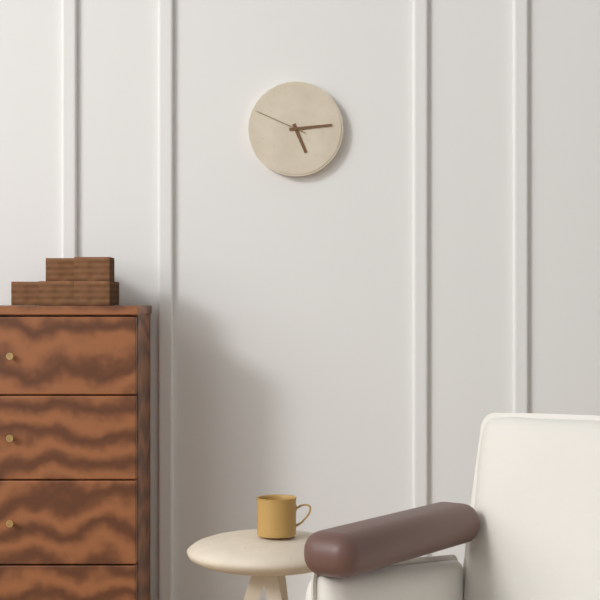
5.14.49
